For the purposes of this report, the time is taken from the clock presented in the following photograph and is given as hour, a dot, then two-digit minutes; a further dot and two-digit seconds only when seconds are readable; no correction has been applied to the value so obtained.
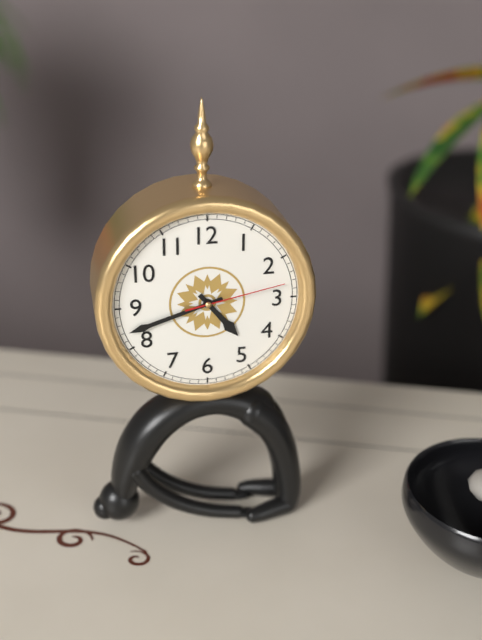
4.42.13
